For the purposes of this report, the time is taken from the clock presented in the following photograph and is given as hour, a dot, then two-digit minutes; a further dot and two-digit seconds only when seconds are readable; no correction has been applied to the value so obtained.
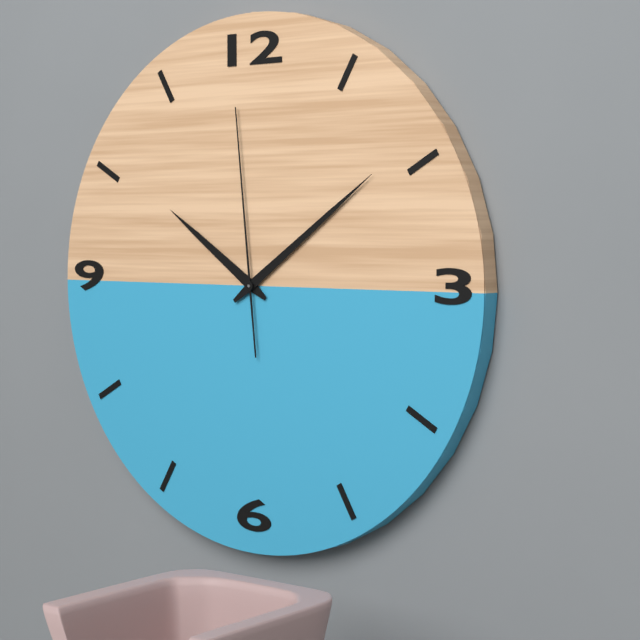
10.09.59
